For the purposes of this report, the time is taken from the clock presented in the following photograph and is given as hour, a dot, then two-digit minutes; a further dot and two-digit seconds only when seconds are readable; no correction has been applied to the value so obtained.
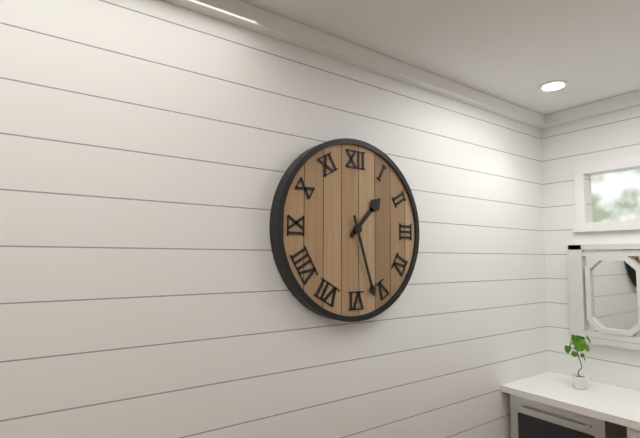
1.27
